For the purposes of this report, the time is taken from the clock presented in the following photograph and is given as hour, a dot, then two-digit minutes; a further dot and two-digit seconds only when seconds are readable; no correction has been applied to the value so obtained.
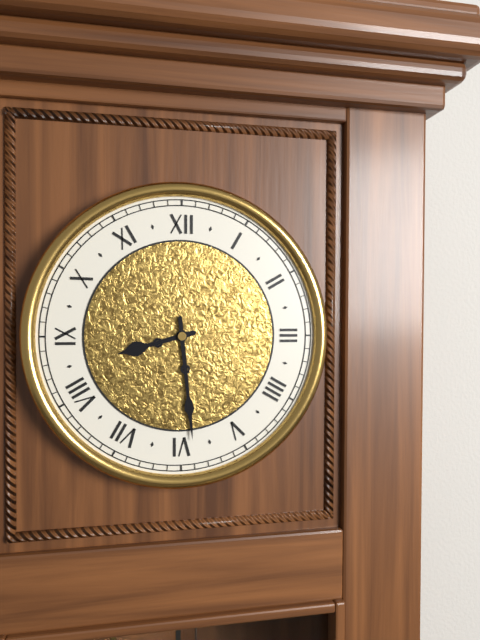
8.29
